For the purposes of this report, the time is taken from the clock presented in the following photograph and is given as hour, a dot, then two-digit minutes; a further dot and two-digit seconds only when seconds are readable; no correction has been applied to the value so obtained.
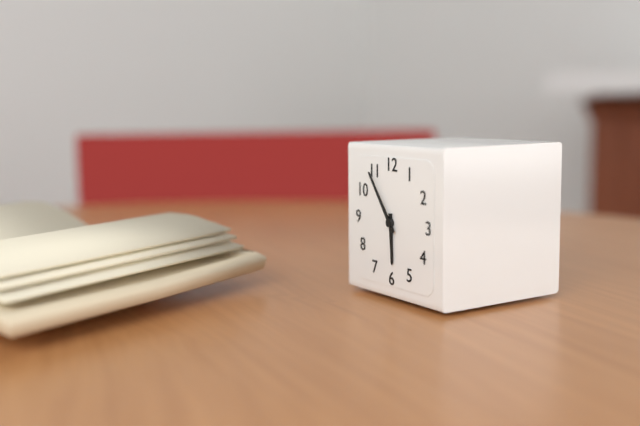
5.54
